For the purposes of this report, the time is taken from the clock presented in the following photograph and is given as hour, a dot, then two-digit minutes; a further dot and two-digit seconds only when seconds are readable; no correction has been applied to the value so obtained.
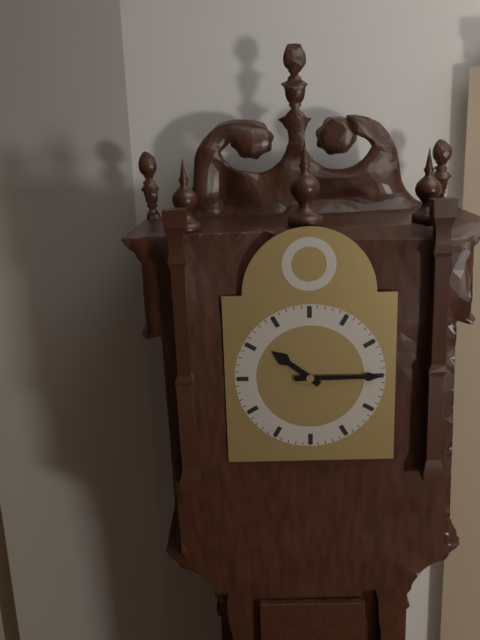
10.15
